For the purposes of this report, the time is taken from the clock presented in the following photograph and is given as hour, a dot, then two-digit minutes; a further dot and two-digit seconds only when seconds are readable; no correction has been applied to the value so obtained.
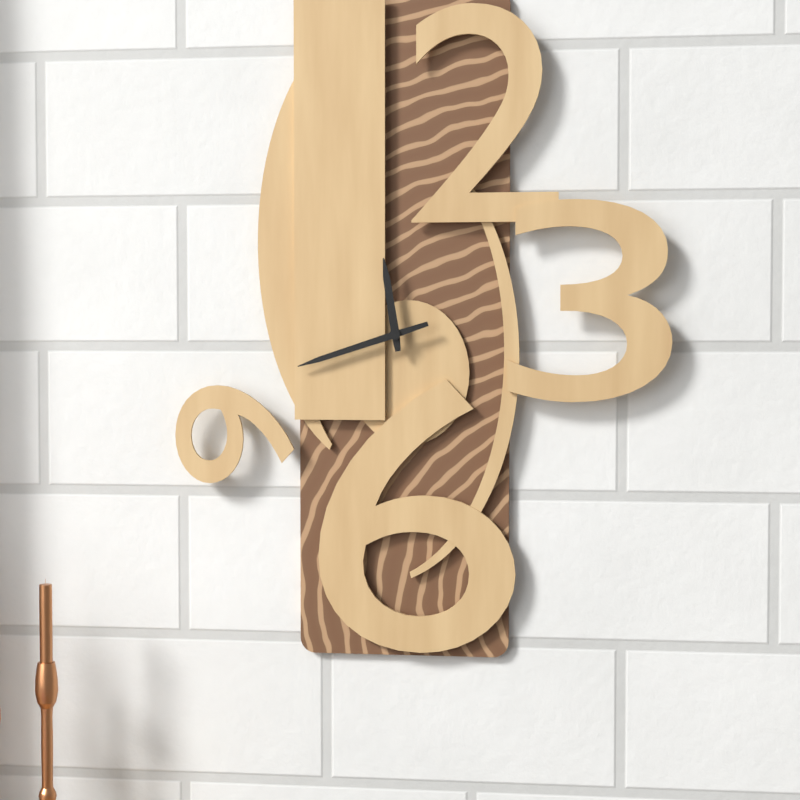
11.42
